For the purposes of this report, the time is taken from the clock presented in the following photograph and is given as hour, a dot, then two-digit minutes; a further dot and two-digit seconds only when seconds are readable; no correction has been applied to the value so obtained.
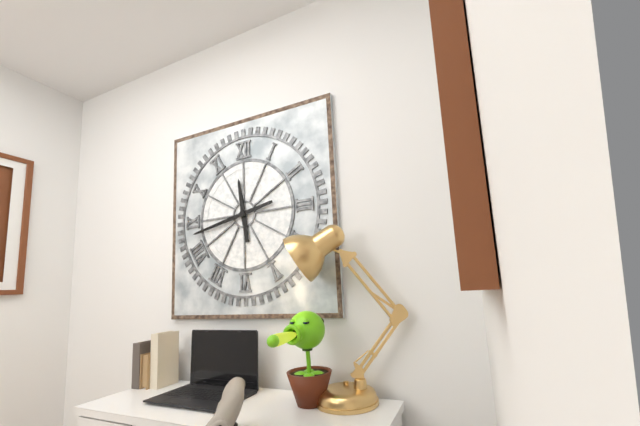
11.43
